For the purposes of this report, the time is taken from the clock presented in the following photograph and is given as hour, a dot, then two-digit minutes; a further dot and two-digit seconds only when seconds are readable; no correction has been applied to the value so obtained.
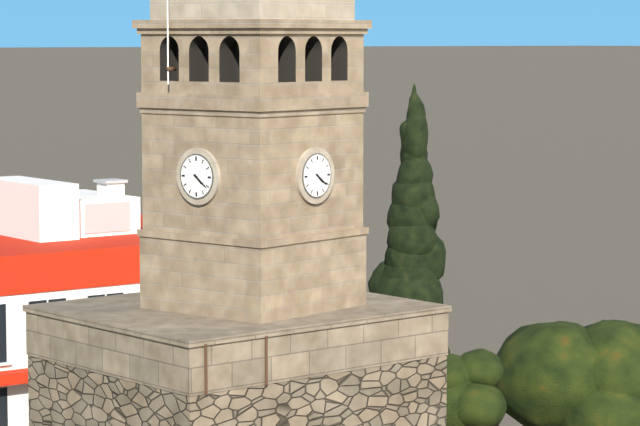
4.21
